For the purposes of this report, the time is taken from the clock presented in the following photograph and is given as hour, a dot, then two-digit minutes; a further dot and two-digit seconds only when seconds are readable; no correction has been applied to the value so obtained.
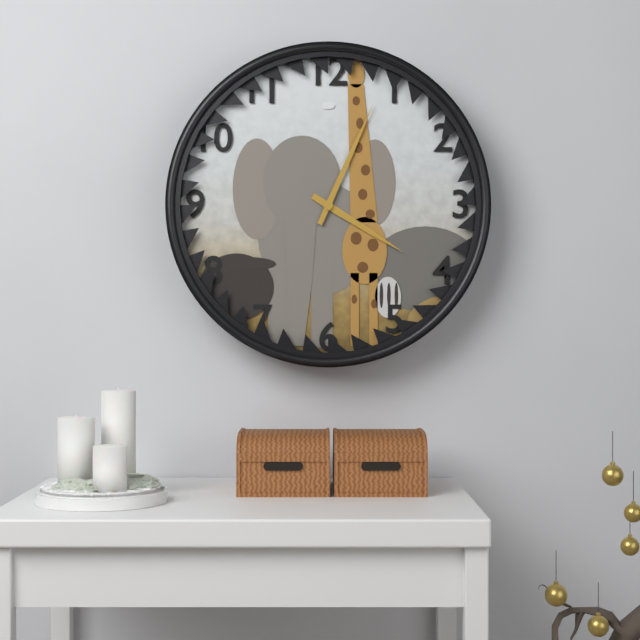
4.04
